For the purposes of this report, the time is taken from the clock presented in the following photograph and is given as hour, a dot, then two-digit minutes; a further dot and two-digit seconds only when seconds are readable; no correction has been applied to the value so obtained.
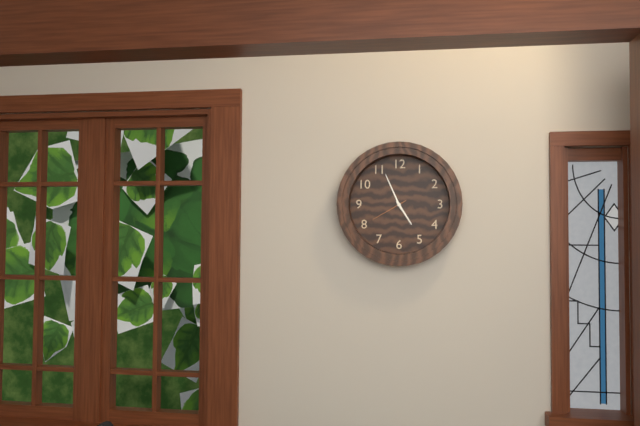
4.56
